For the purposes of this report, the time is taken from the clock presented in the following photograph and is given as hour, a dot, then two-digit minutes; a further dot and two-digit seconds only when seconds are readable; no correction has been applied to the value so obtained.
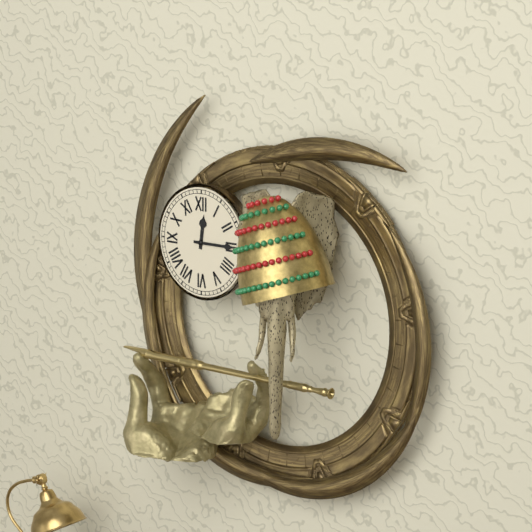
12.15
